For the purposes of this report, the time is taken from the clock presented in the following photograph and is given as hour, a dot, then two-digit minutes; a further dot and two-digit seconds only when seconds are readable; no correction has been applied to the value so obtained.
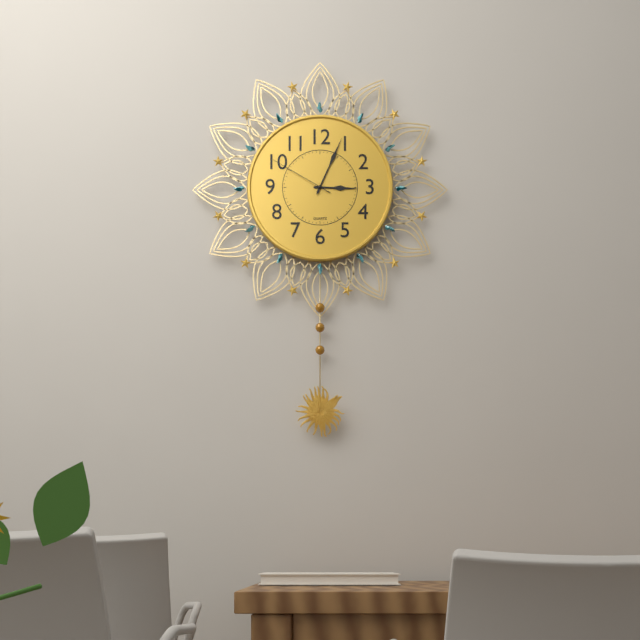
3.04.50
